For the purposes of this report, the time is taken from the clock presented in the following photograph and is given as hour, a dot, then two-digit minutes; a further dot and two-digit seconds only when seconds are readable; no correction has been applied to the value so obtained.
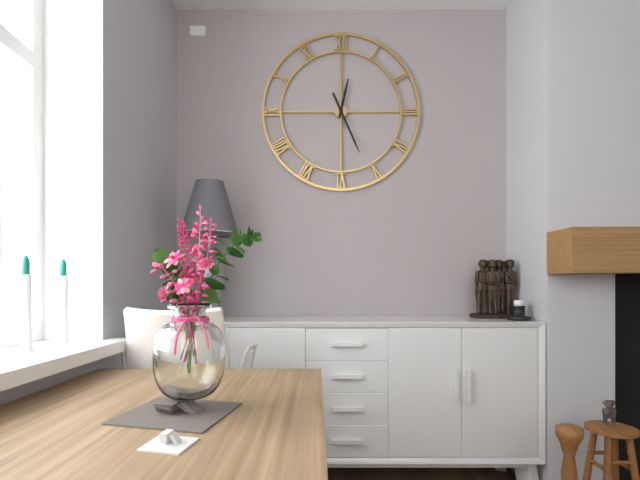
12.26
